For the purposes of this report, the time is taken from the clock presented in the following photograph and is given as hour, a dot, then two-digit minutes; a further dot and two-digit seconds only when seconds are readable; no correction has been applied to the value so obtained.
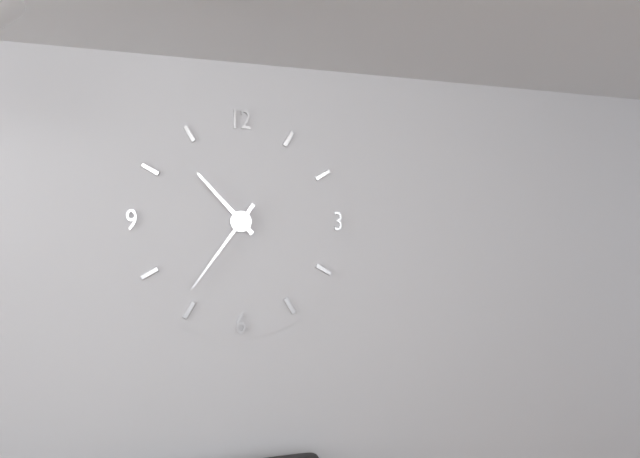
10.36
